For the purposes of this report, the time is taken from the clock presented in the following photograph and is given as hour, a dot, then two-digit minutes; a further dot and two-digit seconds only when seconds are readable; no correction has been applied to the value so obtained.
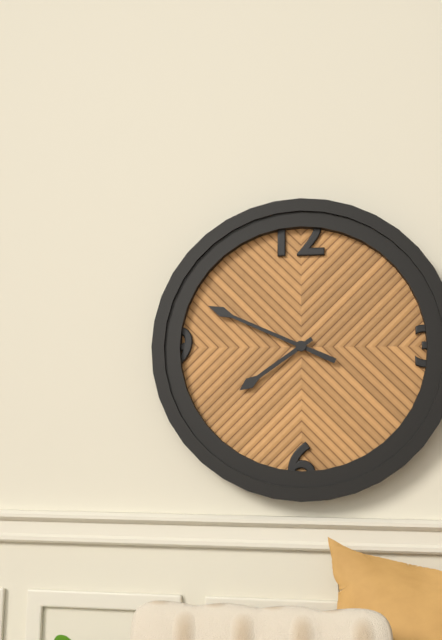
7.49
